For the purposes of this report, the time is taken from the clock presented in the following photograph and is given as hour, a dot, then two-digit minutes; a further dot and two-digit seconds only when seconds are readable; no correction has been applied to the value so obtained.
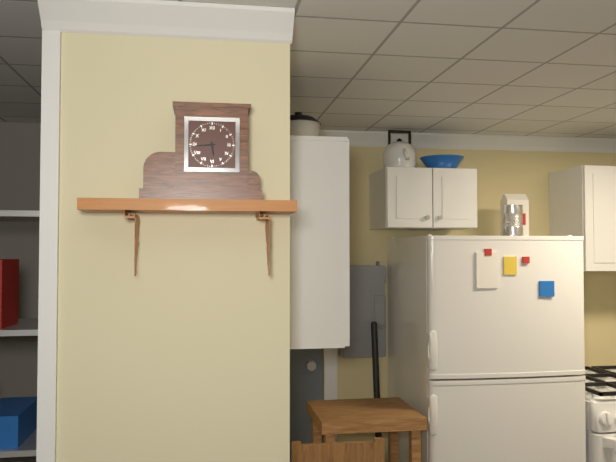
5.44
